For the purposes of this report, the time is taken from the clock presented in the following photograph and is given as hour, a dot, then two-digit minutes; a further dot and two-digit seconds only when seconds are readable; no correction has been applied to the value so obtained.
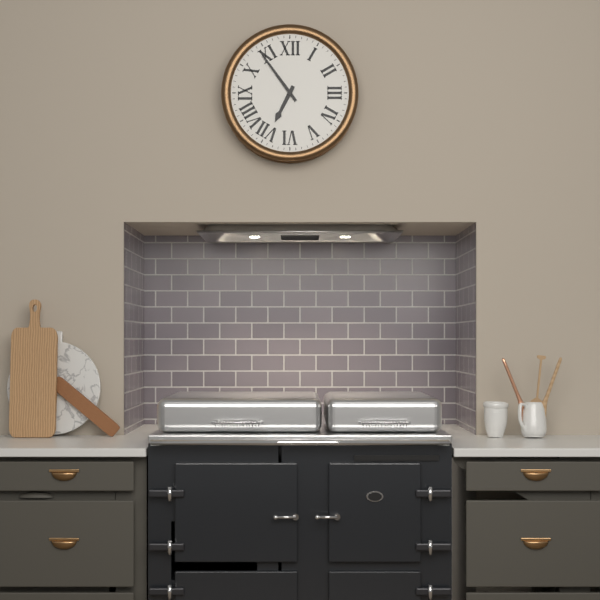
6.54
